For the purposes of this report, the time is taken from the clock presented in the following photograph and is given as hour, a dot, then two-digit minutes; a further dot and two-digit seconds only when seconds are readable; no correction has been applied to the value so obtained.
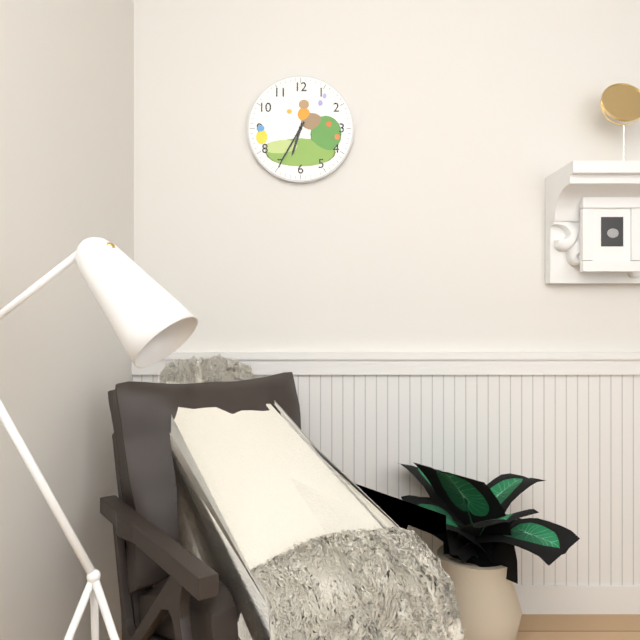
6.35
